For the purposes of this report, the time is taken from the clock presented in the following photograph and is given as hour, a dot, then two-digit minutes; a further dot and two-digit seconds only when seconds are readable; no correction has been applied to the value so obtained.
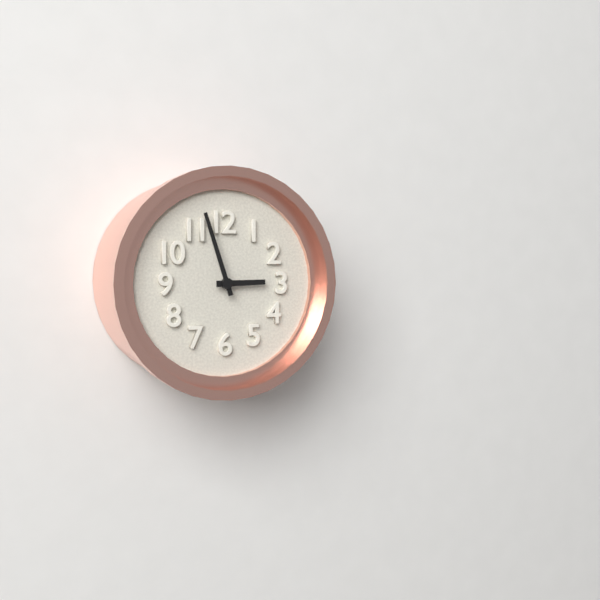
2.57
